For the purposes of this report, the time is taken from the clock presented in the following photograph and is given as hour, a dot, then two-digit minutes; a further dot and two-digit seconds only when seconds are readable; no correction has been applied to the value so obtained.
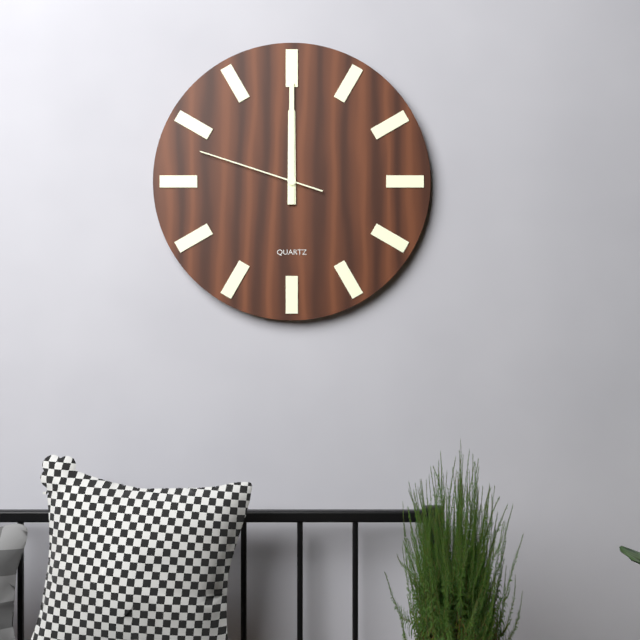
12.00.48
